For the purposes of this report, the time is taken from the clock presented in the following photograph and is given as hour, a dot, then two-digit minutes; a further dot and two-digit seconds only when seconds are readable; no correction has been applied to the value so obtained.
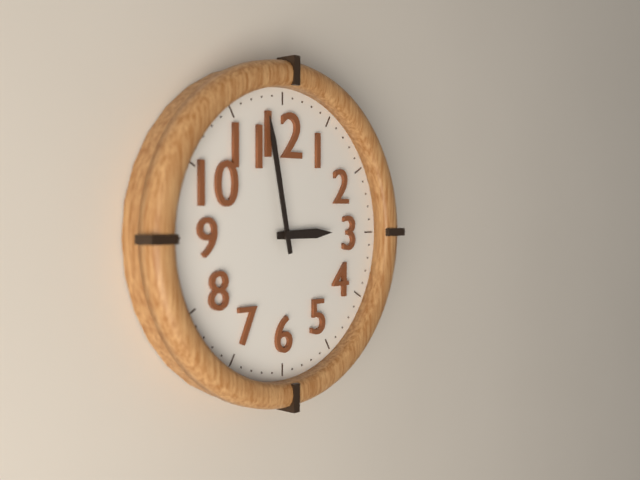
2.58
